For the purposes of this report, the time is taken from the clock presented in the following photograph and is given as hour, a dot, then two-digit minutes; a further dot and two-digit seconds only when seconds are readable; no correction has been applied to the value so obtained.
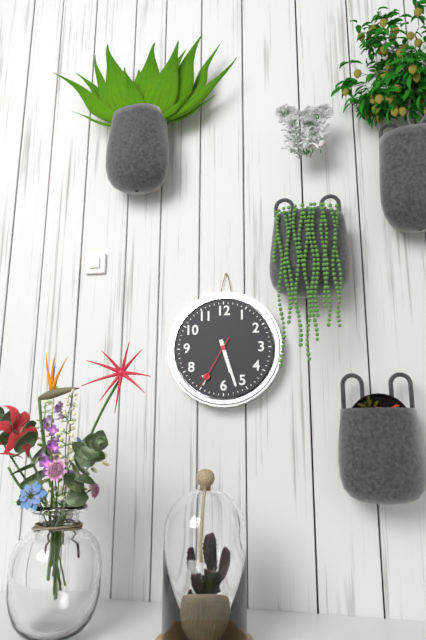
5.27.35
